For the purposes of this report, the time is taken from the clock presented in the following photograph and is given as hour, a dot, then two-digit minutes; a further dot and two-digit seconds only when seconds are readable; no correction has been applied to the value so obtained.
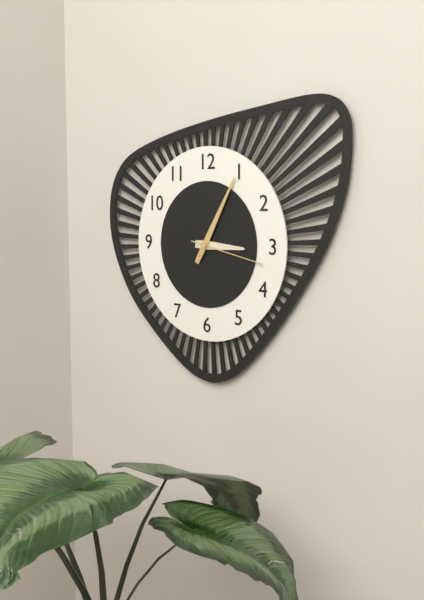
3.05.17
